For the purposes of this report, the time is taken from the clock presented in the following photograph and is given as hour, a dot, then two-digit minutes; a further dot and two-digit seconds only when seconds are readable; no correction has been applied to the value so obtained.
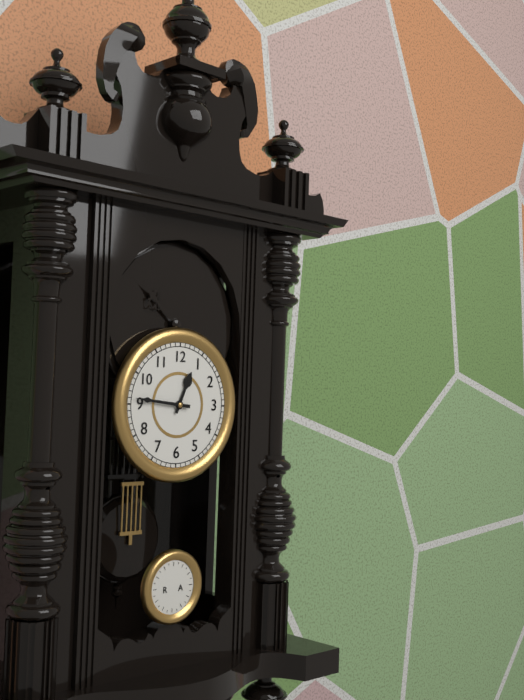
12.46
